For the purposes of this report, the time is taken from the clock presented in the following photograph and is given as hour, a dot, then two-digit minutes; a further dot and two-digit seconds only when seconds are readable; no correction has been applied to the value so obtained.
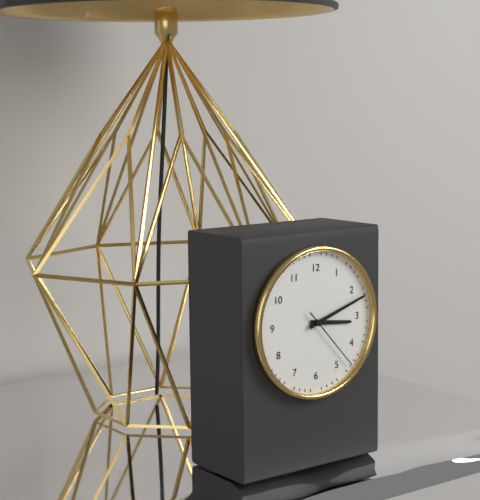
3.12.23
